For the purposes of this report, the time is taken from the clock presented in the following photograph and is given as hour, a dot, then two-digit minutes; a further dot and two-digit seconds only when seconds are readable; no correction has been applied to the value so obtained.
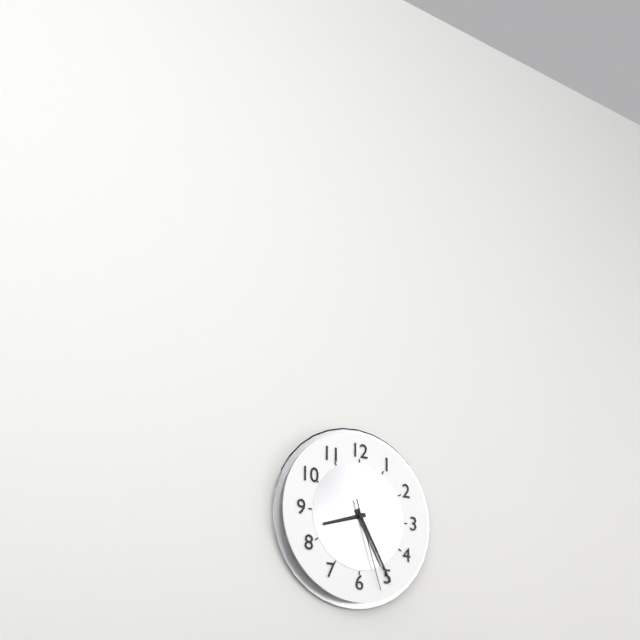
8.25.27
